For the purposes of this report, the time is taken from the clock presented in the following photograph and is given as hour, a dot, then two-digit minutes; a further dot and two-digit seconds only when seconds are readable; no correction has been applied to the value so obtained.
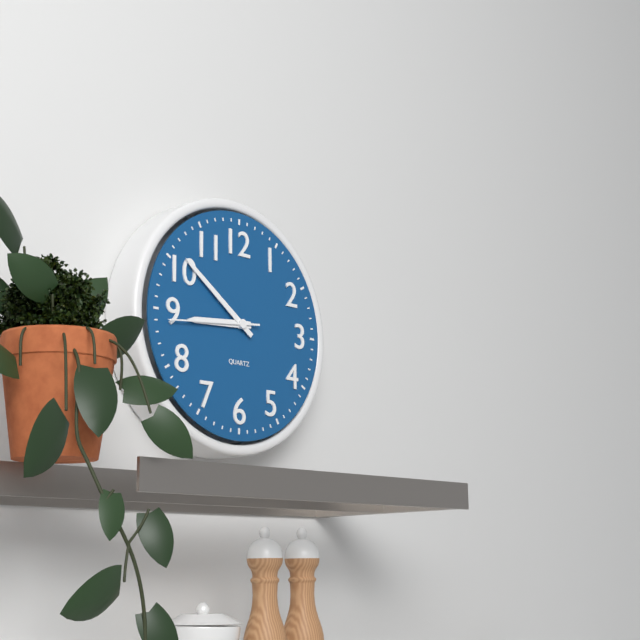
8.51.44
